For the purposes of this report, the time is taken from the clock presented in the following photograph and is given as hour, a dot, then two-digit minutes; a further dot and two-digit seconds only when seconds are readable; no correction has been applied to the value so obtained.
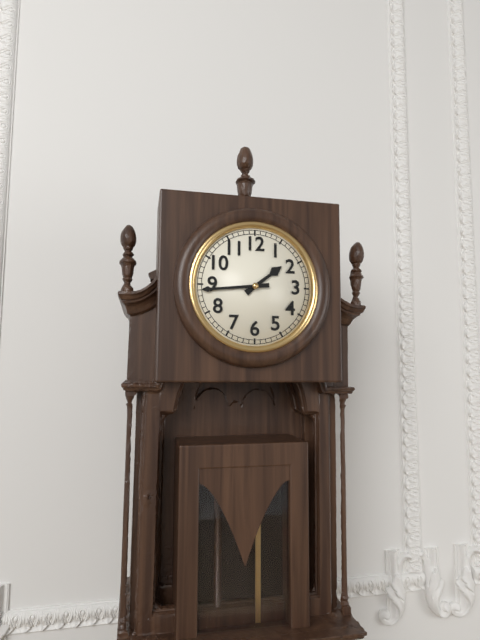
1.44
